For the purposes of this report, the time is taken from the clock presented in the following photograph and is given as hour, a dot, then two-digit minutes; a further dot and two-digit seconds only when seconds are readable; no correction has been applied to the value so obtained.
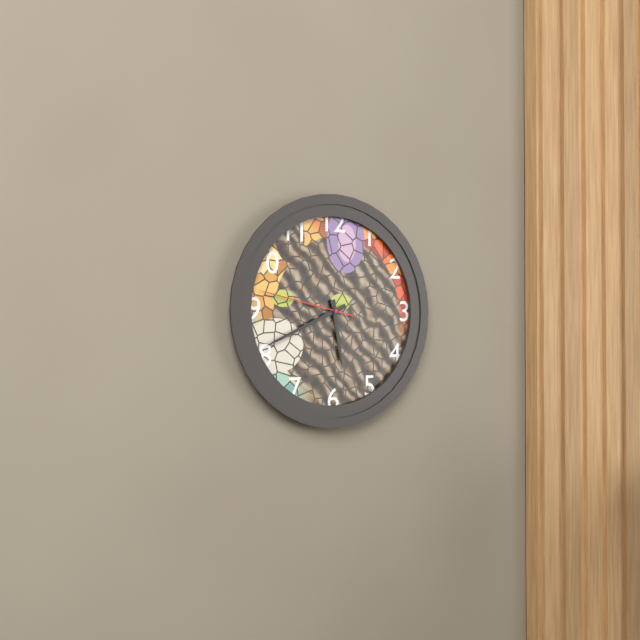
5.41.47
